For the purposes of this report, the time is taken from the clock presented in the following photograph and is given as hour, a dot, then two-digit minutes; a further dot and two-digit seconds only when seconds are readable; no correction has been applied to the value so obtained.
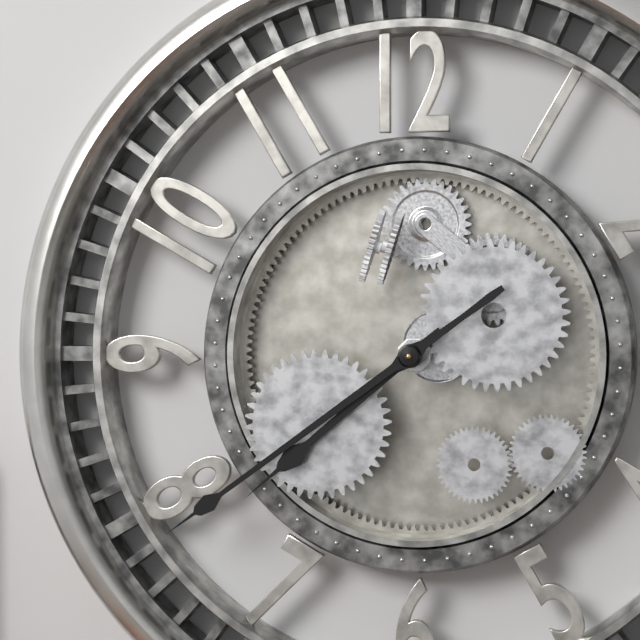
7.39
